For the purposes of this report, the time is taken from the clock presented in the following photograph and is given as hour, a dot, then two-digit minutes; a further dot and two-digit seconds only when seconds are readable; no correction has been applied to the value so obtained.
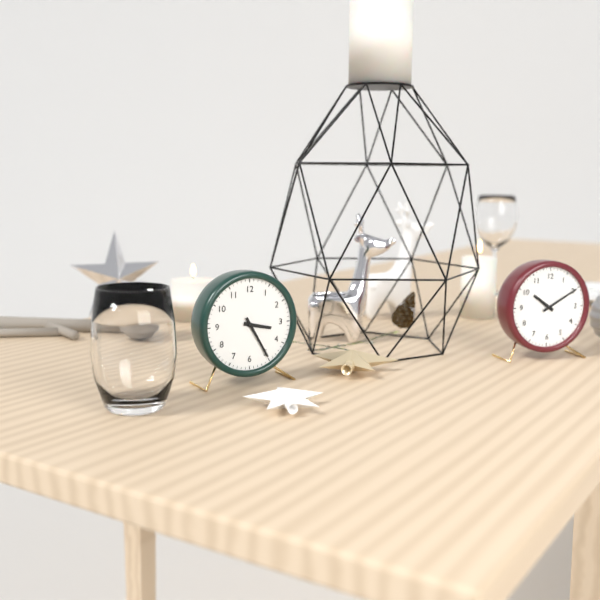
3.25
